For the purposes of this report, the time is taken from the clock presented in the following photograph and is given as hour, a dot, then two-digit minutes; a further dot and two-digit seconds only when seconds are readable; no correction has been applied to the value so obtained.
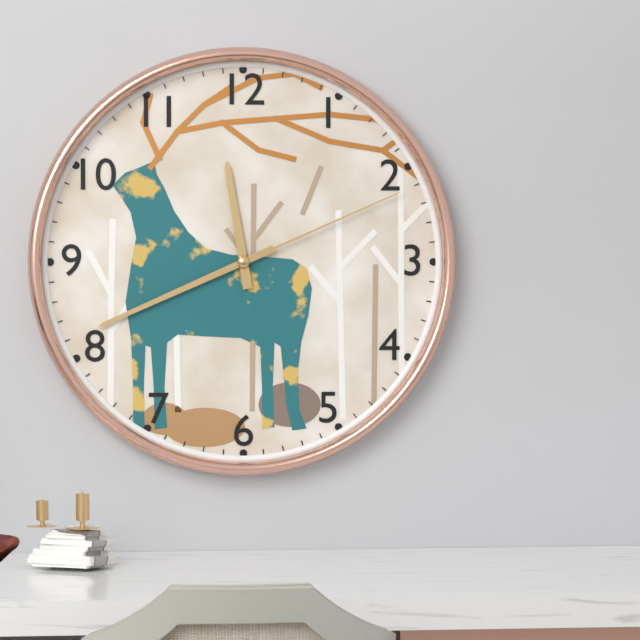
11.41.11
